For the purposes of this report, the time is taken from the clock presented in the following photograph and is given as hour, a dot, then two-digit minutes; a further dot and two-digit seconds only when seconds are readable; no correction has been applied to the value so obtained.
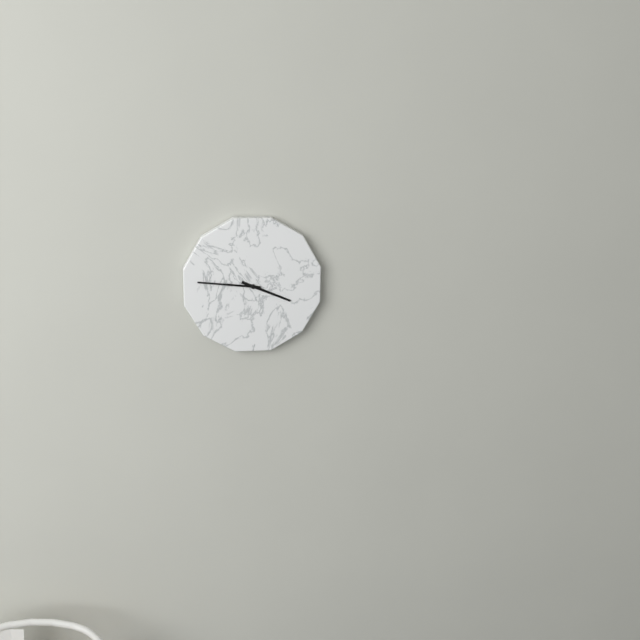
3.46
